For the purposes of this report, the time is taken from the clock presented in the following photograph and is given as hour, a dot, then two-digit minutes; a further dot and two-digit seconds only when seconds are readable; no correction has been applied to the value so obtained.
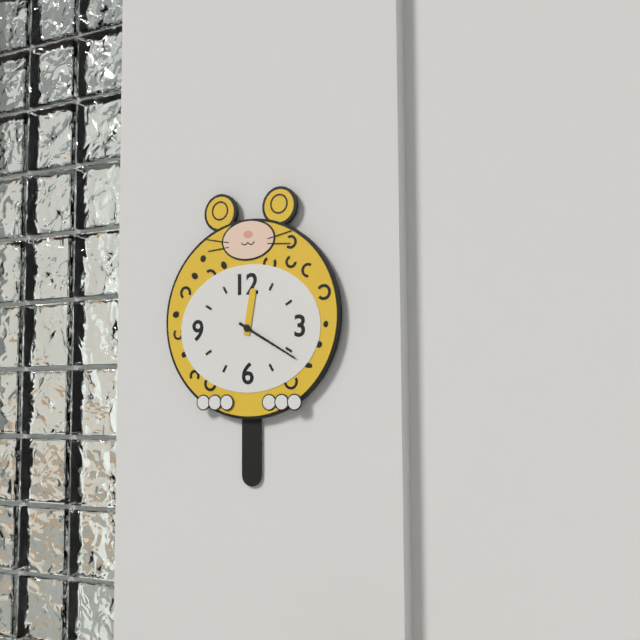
12.20
